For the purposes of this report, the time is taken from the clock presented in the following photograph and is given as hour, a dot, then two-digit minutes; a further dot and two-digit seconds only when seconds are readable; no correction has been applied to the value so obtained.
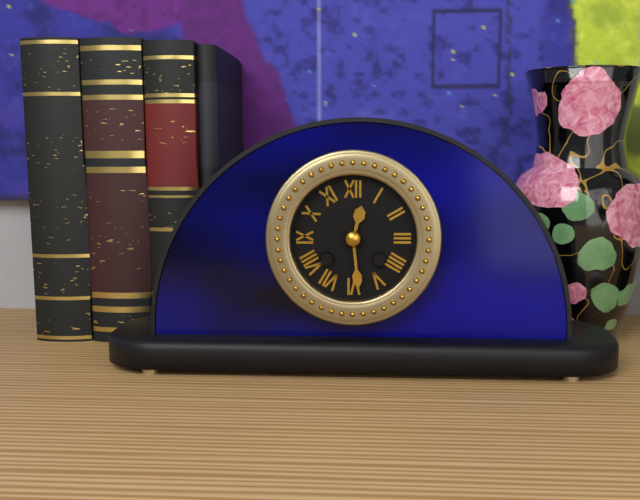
12.29
